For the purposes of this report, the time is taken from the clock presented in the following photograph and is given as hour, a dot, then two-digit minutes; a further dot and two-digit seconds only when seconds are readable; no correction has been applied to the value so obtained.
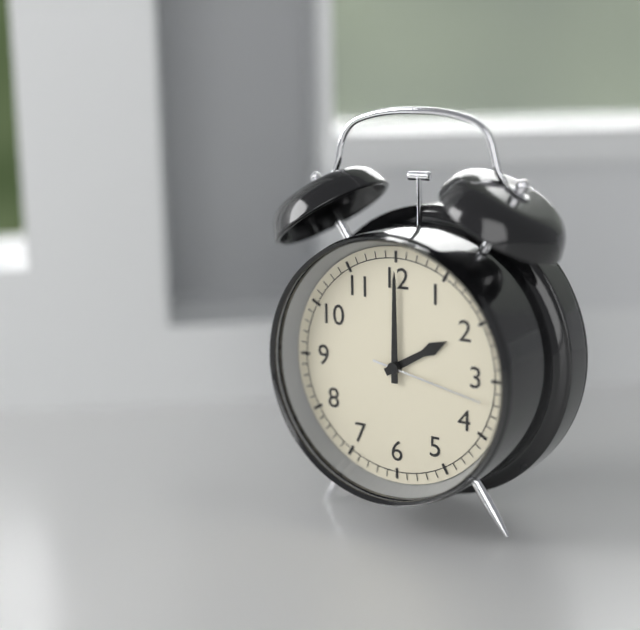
2.00.17
